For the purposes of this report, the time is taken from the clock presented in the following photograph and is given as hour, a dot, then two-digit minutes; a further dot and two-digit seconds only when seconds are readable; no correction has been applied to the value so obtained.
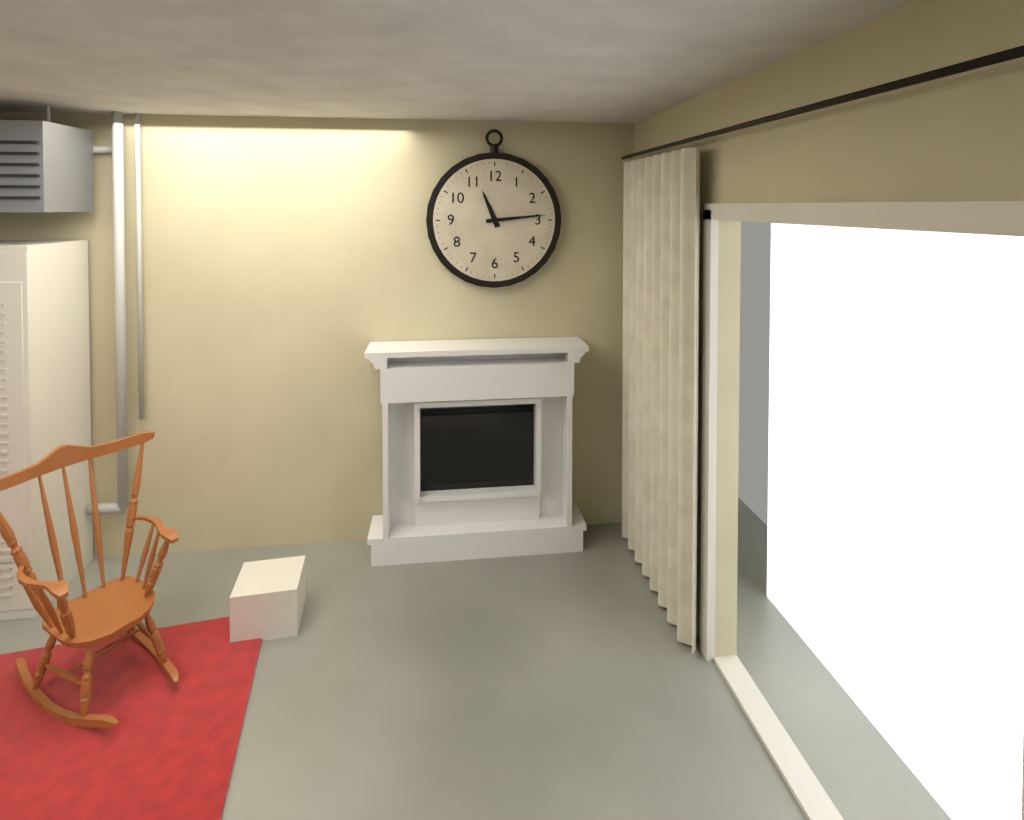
11.14
